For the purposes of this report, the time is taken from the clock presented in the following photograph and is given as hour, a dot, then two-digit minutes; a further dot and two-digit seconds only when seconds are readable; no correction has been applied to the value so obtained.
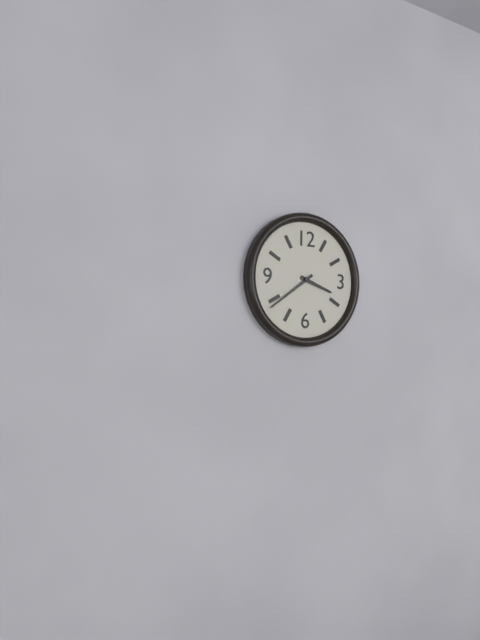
3.39
